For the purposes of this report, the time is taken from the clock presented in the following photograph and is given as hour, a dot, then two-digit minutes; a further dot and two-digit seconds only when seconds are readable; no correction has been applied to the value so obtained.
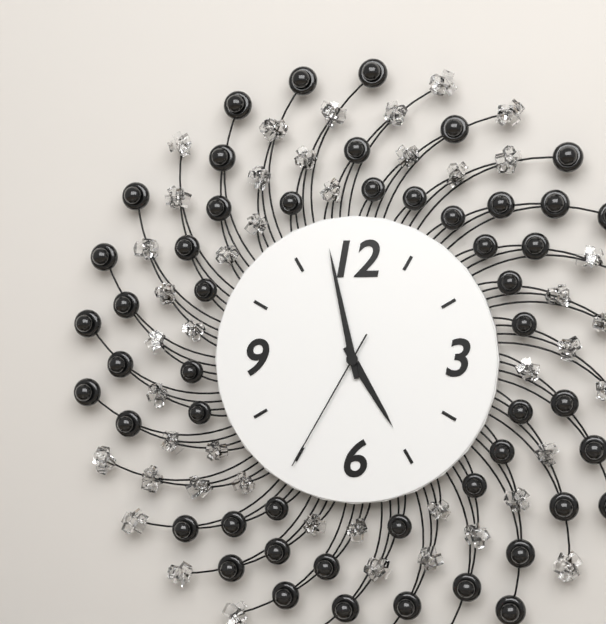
4.58.35
